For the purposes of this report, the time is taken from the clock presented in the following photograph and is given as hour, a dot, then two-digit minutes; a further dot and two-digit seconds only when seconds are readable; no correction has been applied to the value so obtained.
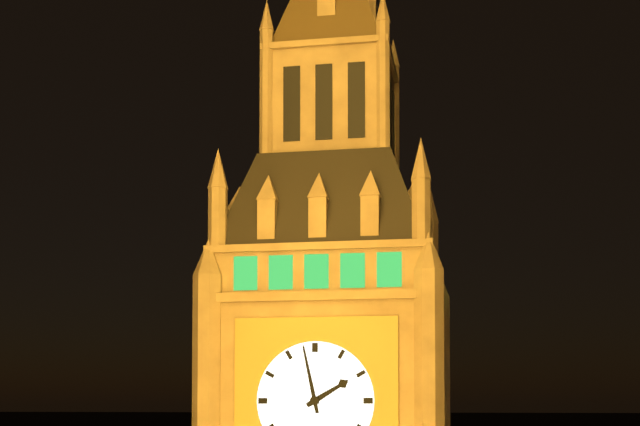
1.58
